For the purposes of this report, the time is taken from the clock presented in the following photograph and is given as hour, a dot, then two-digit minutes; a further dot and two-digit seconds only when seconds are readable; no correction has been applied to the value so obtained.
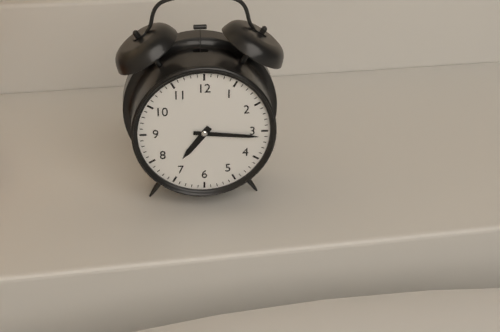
7.16
